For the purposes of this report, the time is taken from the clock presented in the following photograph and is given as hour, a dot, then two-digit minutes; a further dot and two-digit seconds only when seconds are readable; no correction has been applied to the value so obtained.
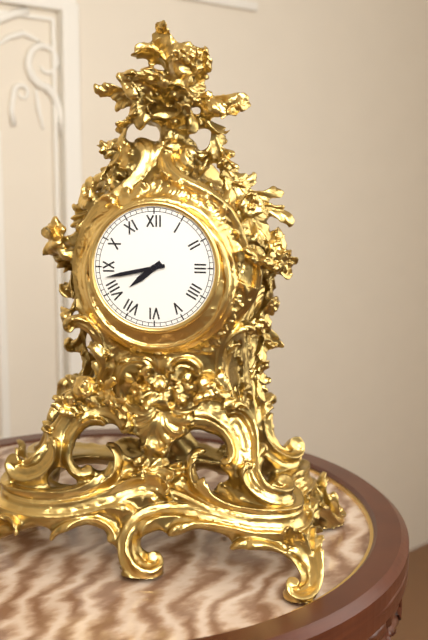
7.43
